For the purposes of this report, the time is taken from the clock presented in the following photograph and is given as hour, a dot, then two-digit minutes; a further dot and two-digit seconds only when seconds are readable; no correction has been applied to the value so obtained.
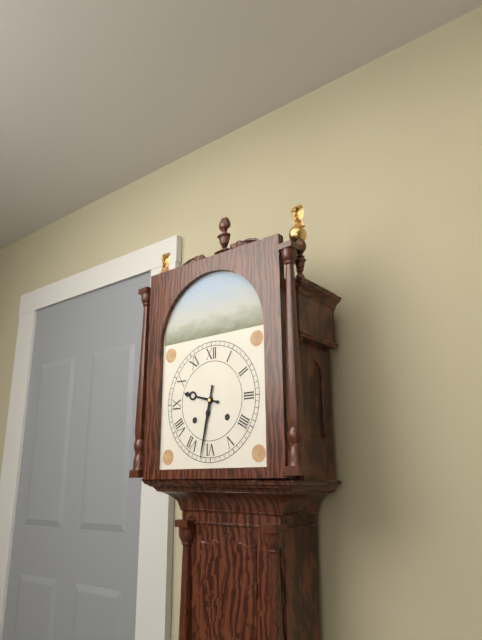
9.32
